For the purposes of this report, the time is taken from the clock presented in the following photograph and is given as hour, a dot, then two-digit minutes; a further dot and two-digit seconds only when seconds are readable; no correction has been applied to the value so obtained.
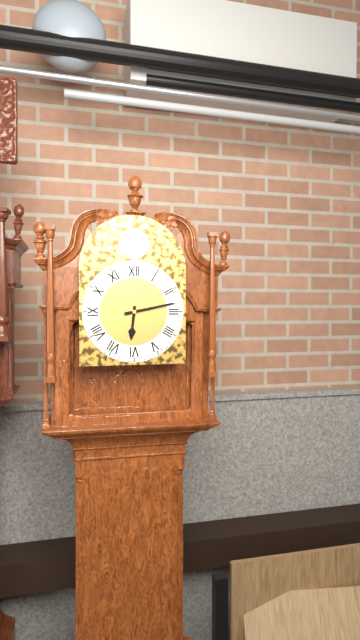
6.13
